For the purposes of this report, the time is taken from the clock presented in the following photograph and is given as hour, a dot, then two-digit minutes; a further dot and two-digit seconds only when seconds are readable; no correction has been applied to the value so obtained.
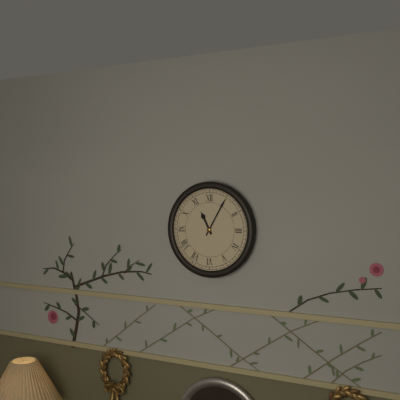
11.05
